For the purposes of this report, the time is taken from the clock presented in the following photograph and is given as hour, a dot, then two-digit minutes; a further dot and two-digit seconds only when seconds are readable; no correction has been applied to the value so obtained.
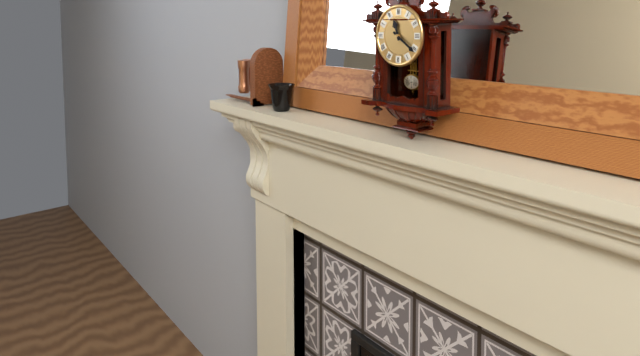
11.21
